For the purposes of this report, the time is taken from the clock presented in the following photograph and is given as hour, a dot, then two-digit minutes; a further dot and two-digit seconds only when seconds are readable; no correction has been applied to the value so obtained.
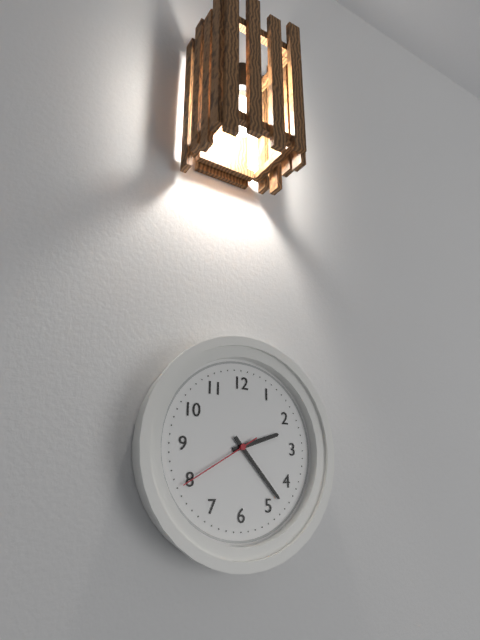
2.23.40
